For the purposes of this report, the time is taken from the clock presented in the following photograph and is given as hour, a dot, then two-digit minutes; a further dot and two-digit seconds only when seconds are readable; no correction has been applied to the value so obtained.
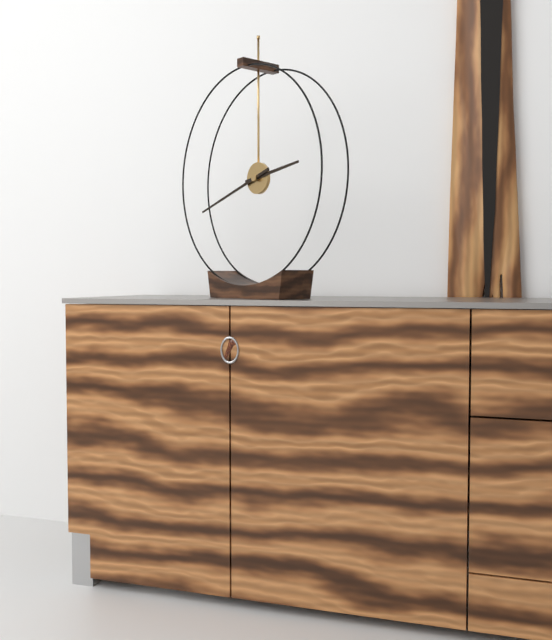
2.42
